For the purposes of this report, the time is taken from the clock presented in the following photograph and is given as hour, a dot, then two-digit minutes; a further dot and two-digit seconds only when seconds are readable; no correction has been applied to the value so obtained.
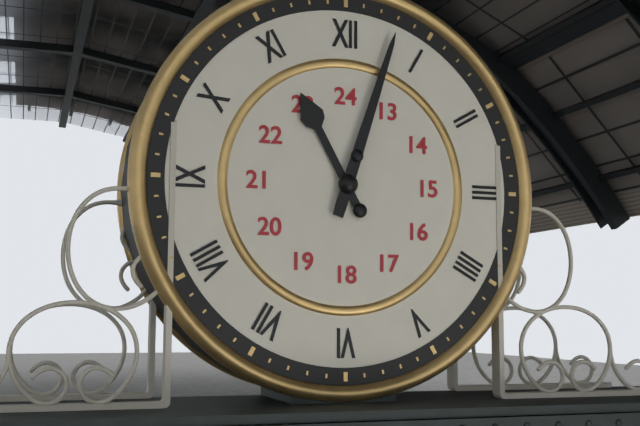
11.03
